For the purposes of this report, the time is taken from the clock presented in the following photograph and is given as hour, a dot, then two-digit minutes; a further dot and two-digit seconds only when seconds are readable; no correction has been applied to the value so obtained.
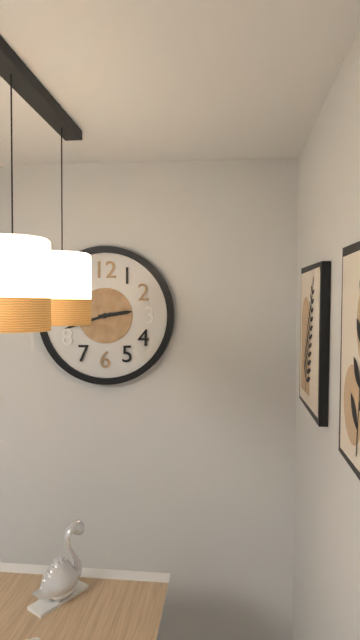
2.42
